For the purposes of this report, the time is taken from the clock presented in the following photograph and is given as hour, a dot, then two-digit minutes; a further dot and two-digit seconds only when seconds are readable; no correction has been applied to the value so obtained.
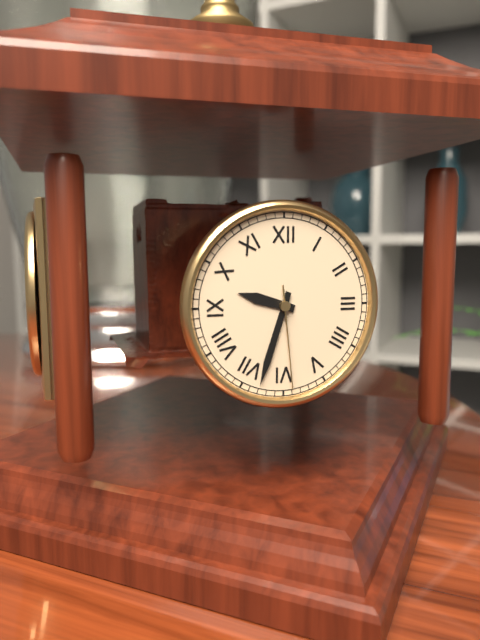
9.33.29
